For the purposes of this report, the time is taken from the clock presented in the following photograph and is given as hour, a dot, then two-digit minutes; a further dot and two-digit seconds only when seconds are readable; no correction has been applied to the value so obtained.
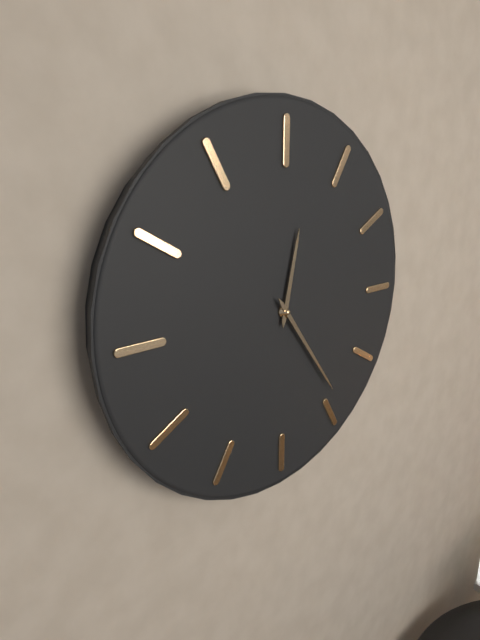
12.24
